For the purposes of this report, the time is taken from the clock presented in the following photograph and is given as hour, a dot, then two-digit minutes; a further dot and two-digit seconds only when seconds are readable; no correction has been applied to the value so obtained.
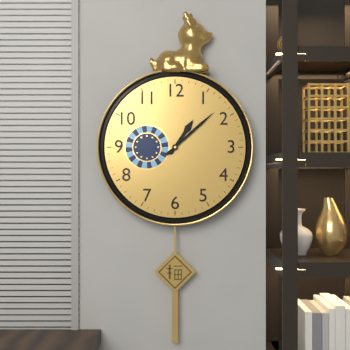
1.08
